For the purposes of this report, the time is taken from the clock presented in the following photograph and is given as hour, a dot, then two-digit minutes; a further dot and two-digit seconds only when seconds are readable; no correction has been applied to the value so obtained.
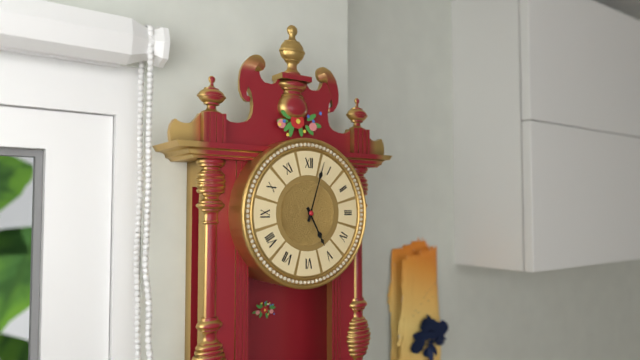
5.03
